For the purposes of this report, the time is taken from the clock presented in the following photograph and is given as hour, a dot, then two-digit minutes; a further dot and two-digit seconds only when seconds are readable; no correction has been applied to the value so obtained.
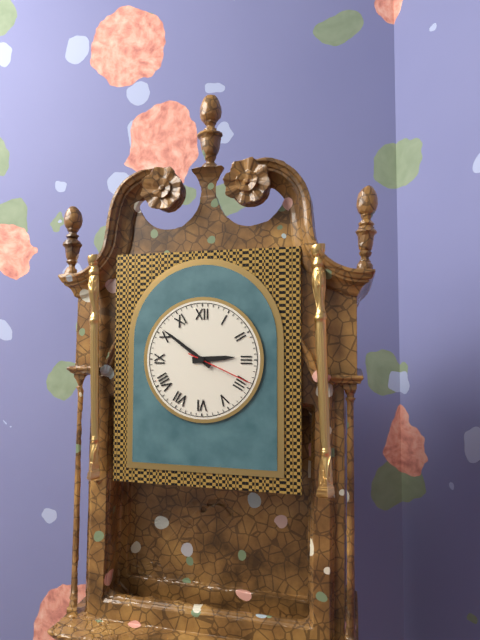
2.51.19
